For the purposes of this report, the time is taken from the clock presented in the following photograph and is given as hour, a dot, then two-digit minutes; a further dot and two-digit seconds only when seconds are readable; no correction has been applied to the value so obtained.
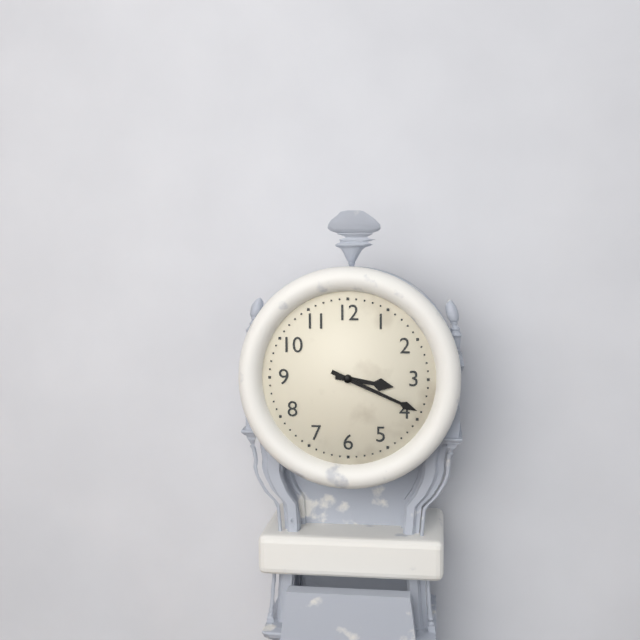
3.19
